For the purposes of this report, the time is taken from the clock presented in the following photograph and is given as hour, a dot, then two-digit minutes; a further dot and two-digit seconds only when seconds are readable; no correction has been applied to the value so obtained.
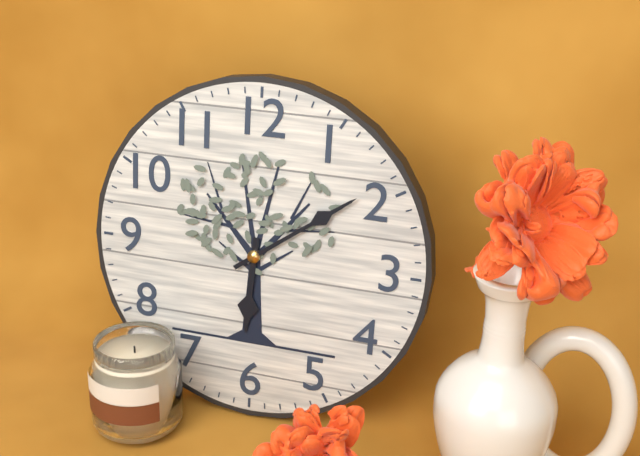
6.09
